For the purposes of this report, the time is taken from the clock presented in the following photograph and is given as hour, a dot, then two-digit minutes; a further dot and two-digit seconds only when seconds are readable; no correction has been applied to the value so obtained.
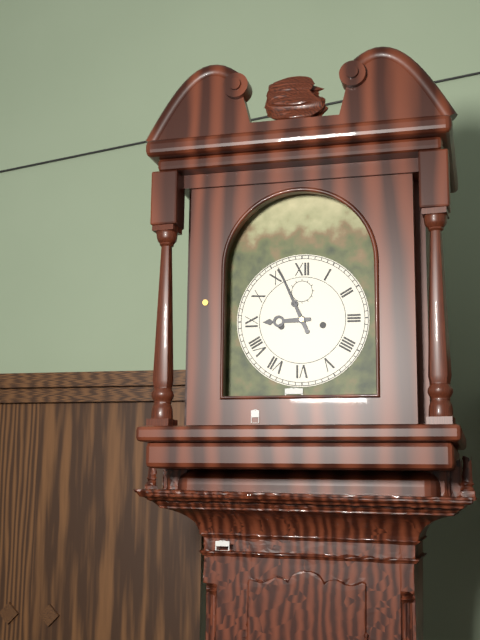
8.56
